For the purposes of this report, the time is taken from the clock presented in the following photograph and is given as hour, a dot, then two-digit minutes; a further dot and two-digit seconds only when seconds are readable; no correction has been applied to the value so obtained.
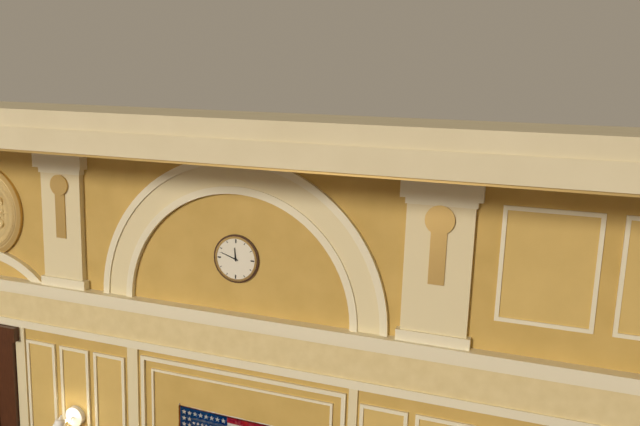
11.48
